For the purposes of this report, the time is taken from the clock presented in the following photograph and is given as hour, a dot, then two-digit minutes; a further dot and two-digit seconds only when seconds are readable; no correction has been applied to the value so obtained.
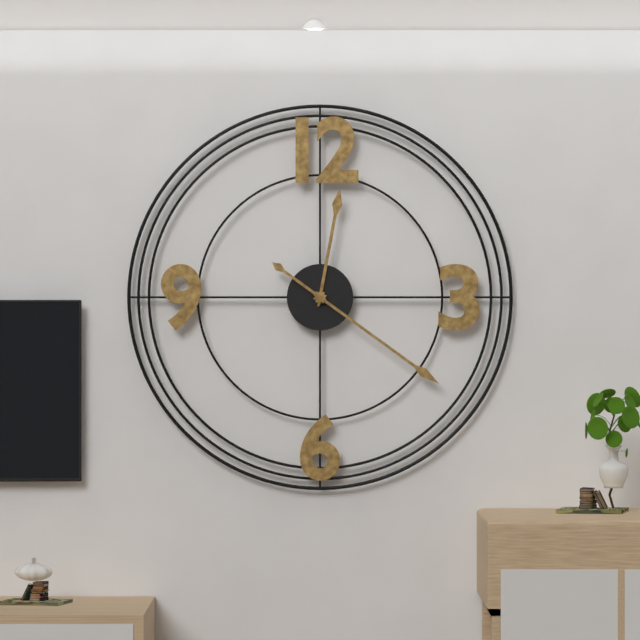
12.21
